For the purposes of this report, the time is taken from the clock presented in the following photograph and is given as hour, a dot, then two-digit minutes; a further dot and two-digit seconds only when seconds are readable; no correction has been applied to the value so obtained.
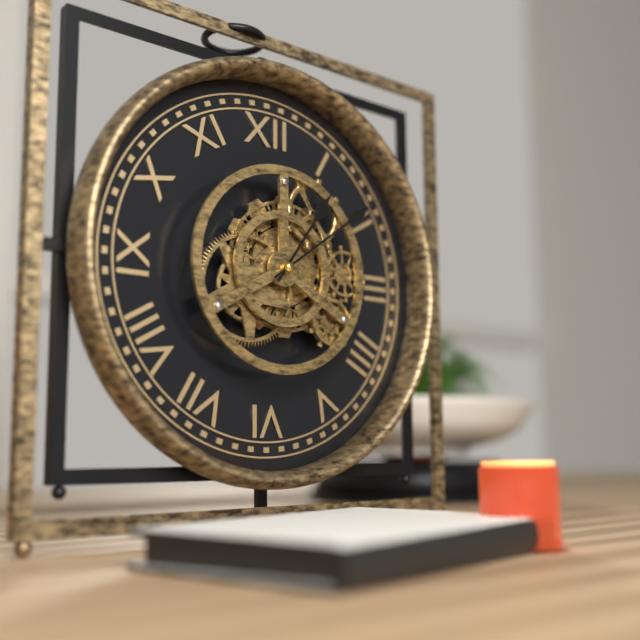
1.09
